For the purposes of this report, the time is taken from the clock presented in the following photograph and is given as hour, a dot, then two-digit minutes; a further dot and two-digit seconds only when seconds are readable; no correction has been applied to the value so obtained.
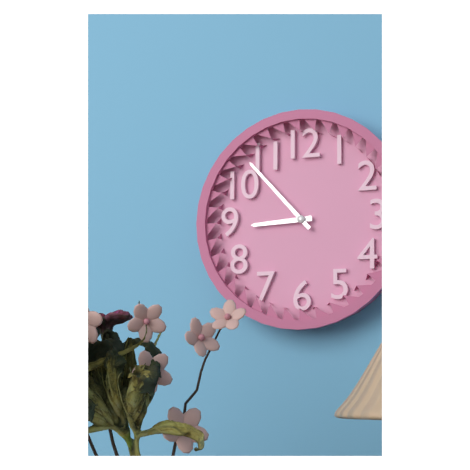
8.53
